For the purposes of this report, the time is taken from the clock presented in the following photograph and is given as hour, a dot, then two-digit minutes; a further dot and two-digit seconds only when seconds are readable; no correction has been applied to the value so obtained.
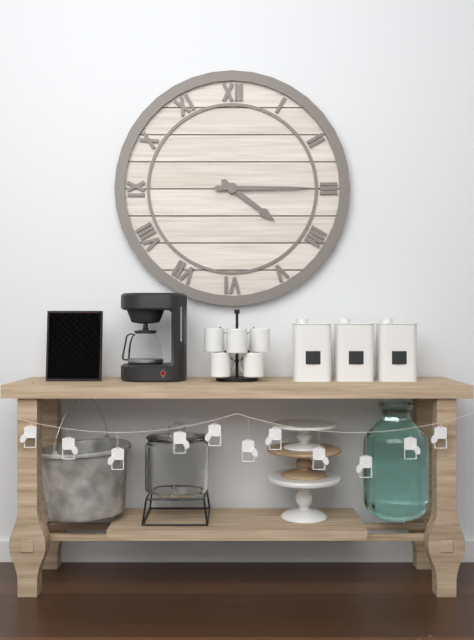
4.15
